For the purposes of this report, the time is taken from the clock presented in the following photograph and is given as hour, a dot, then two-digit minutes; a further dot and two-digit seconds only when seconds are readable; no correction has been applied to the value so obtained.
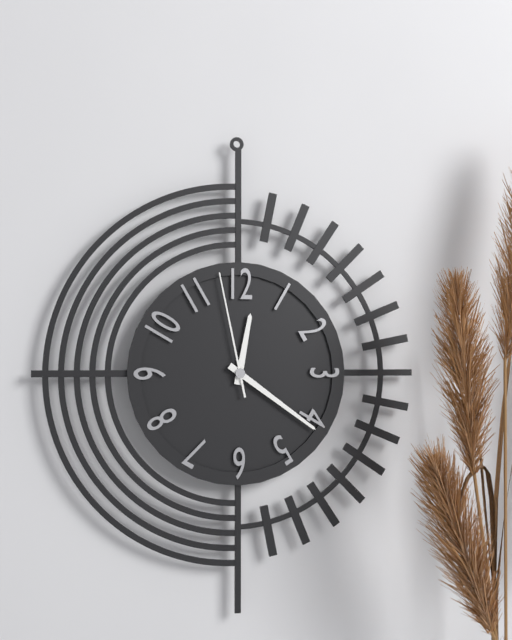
12.21.58
